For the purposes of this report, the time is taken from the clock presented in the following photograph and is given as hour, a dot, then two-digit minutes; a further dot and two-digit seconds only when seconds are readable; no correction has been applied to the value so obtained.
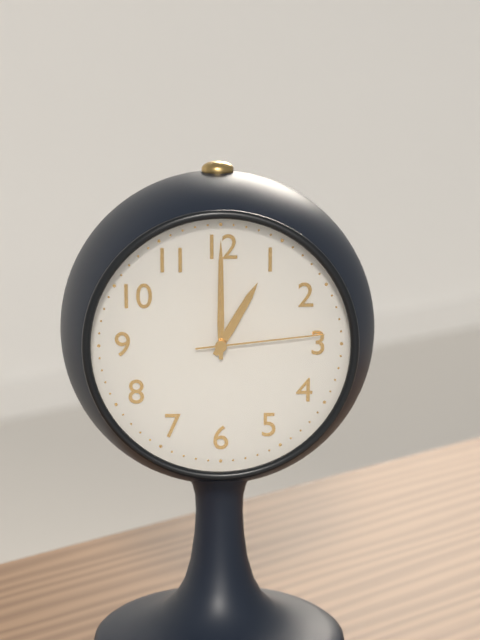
1.00.14
